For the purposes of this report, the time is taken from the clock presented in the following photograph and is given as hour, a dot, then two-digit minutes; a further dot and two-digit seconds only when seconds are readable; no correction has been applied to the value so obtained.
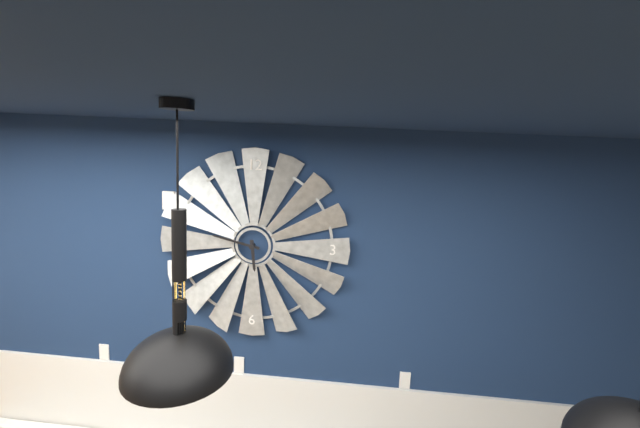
5.47
